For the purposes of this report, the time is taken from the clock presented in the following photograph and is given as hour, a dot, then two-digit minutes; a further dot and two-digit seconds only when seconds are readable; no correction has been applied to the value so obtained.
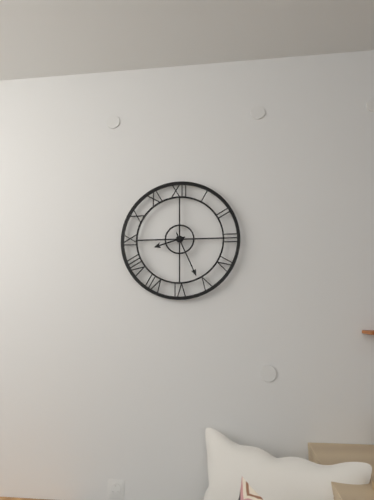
8.26
